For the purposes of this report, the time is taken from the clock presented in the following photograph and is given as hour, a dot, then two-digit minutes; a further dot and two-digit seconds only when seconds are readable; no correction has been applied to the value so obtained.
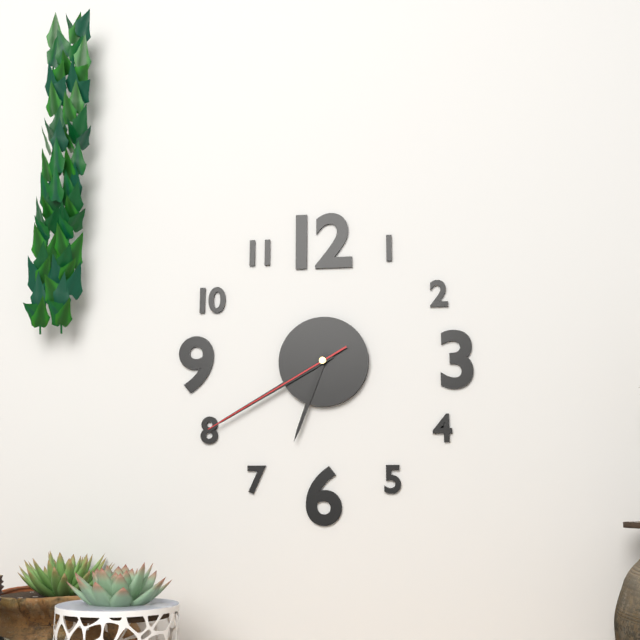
6.40.40
